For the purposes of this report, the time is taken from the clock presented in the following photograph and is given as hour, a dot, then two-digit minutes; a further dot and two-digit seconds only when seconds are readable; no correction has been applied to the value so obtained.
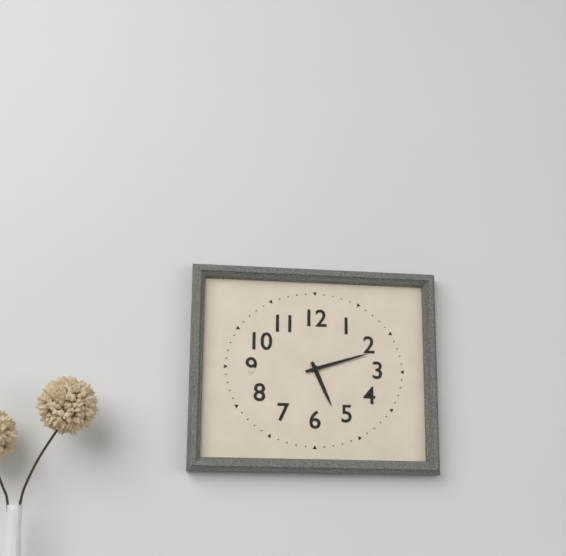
5.12
